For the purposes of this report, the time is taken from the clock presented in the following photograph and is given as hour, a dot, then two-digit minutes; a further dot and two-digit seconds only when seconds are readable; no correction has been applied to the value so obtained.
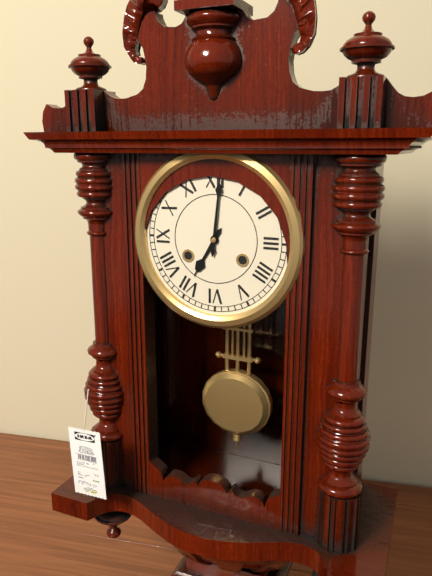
7.01
